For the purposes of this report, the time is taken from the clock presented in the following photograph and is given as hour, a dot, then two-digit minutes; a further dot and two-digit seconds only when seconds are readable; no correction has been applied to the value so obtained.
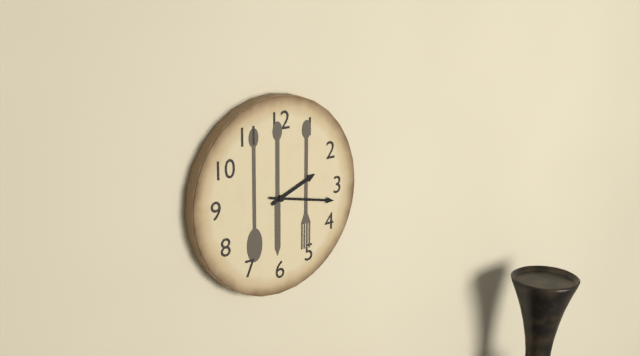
2.17
